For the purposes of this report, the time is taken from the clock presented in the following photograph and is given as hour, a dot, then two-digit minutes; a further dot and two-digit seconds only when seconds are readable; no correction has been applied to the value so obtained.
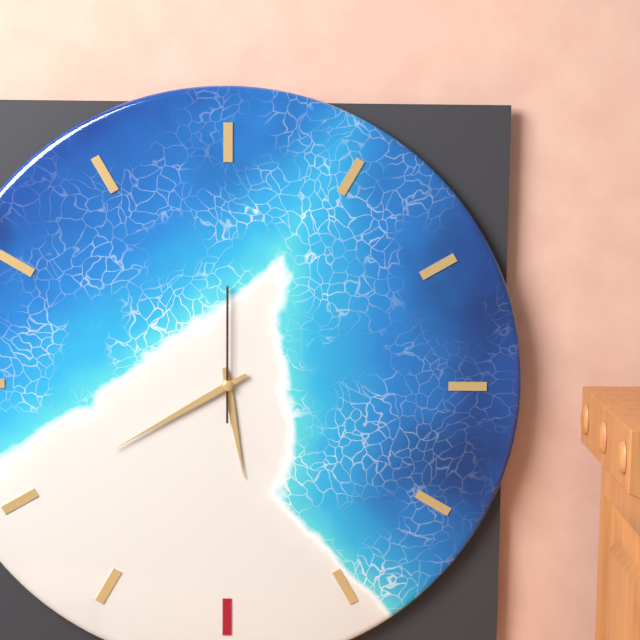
5.40.00
